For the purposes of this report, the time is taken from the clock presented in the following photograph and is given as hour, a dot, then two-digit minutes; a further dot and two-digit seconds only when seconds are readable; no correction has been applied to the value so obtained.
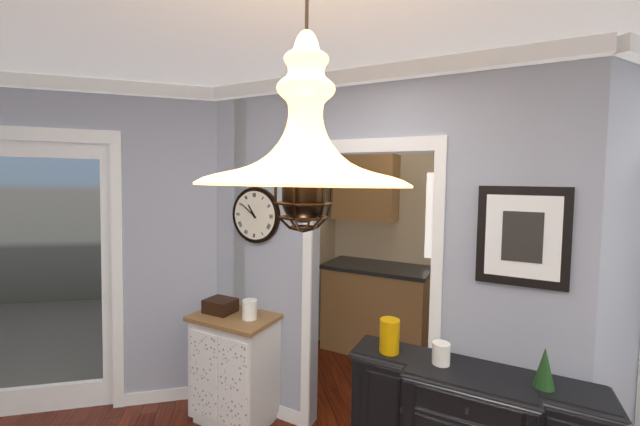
10.51
